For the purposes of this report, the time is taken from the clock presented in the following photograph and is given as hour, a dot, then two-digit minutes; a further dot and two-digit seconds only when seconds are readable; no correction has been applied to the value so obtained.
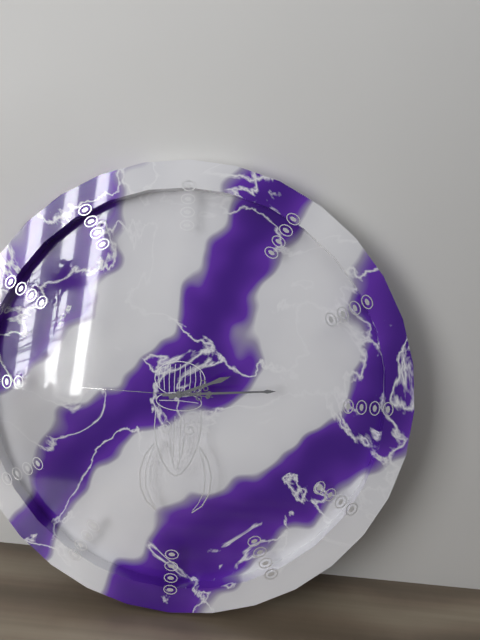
2.14.45
